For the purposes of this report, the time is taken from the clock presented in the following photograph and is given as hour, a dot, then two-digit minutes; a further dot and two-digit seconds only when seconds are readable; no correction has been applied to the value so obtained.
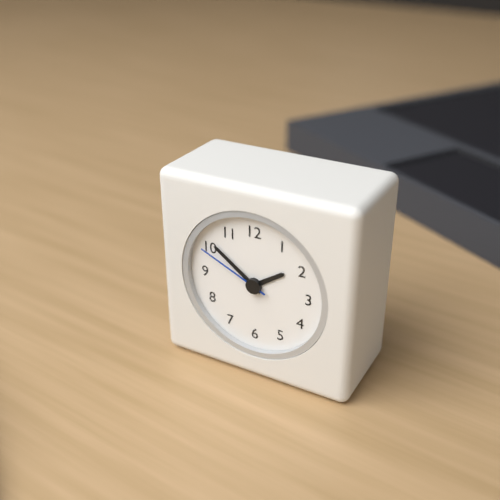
1.51.49
